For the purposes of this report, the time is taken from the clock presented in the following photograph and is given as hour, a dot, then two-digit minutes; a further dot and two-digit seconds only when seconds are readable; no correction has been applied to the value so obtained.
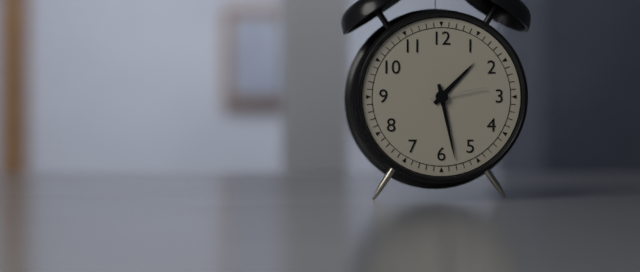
1.28.13
